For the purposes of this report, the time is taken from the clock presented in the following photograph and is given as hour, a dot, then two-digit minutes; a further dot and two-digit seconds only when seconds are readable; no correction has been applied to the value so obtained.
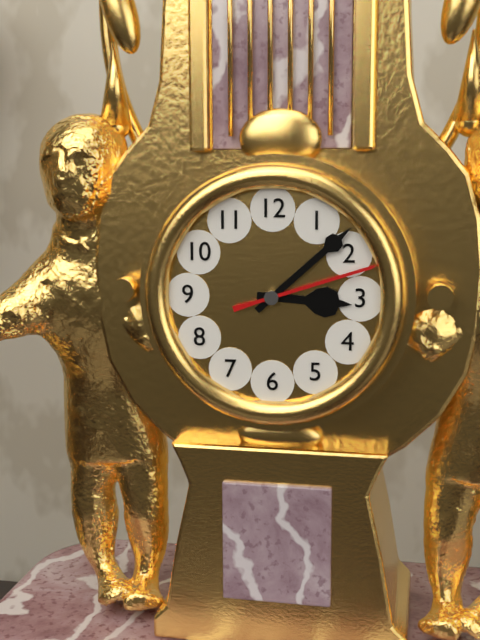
3.08.12
